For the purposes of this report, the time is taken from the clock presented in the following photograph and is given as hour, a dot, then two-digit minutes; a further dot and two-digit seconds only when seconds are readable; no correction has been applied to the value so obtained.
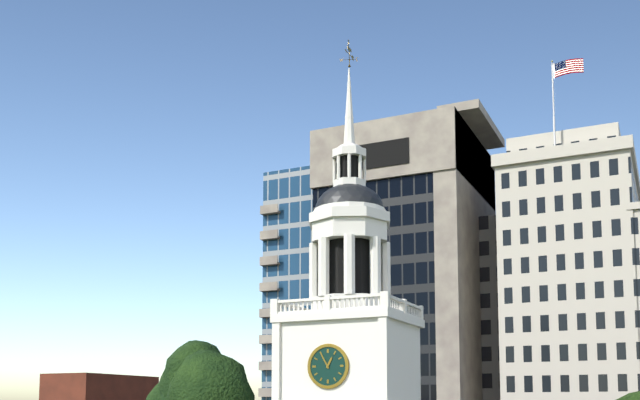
12.55
